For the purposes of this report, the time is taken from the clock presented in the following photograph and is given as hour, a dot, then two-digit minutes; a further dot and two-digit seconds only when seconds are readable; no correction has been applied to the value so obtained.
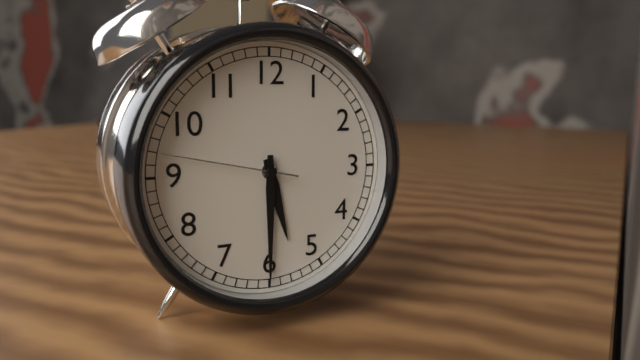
5.30.47
